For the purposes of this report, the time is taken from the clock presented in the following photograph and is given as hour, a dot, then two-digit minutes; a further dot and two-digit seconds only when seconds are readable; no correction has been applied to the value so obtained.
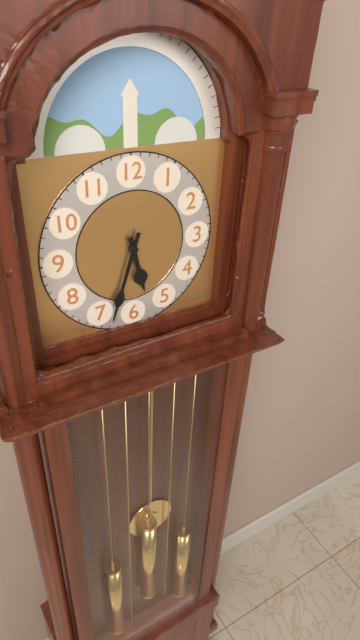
5.33
